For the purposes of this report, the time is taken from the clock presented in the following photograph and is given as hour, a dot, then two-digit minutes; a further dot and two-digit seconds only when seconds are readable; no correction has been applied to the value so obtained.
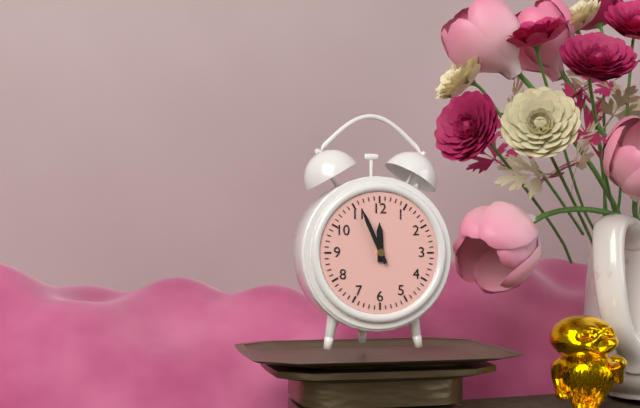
11.56
